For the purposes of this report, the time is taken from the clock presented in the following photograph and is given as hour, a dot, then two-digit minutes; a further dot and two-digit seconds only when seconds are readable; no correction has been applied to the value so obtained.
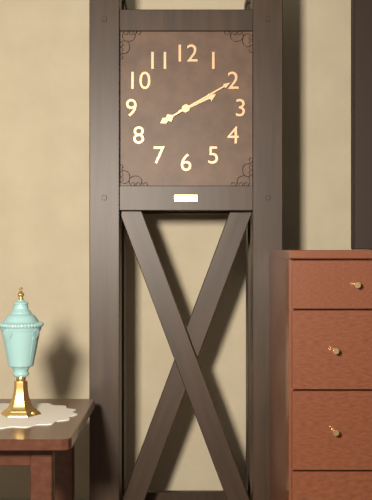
2.10
